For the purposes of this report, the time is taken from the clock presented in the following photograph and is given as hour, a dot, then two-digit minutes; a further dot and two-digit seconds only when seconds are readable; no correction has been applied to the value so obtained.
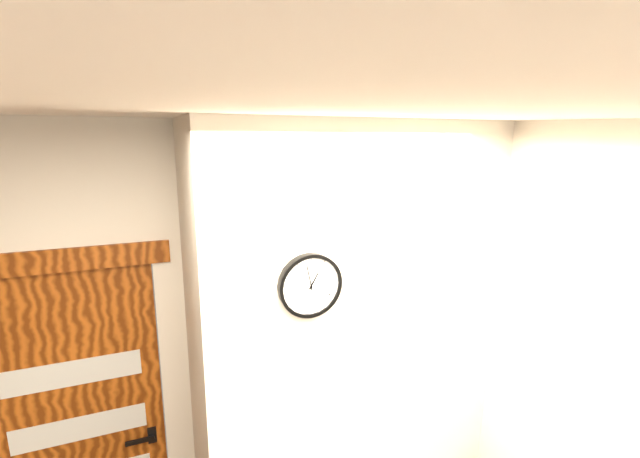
12.58
